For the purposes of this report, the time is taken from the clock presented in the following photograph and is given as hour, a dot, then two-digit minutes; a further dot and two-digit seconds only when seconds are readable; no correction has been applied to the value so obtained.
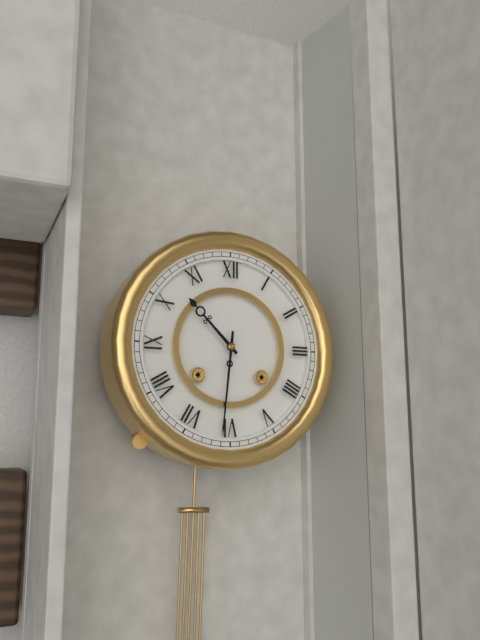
10.31
